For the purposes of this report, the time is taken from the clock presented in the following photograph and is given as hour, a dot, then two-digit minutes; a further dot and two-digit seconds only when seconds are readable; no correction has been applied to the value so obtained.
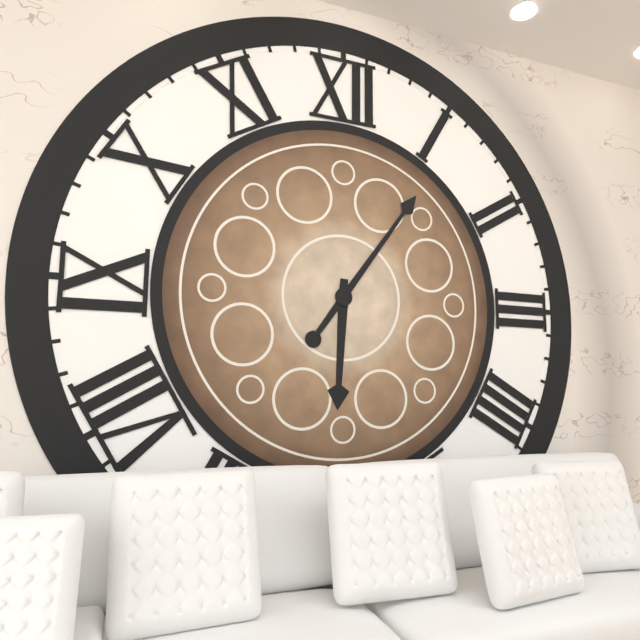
6.06
